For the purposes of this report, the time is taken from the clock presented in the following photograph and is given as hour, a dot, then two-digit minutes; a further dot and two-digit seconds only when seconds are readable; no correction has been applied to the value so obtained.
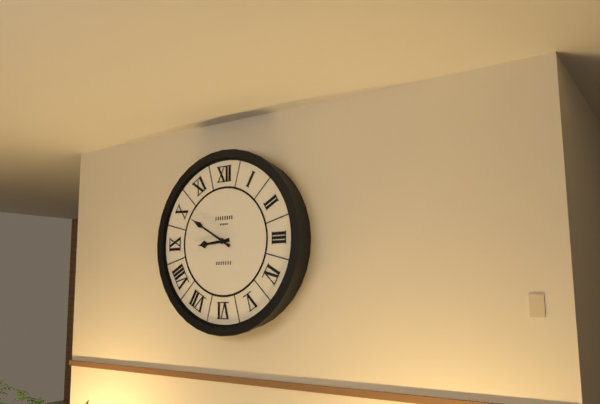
8.50
